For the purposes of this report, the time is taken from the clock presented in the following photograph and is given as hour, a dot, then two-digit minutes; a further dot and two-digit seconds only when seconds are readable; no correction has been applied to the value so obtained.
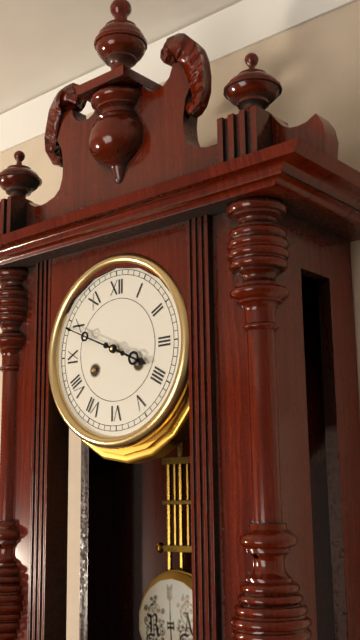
3.49
